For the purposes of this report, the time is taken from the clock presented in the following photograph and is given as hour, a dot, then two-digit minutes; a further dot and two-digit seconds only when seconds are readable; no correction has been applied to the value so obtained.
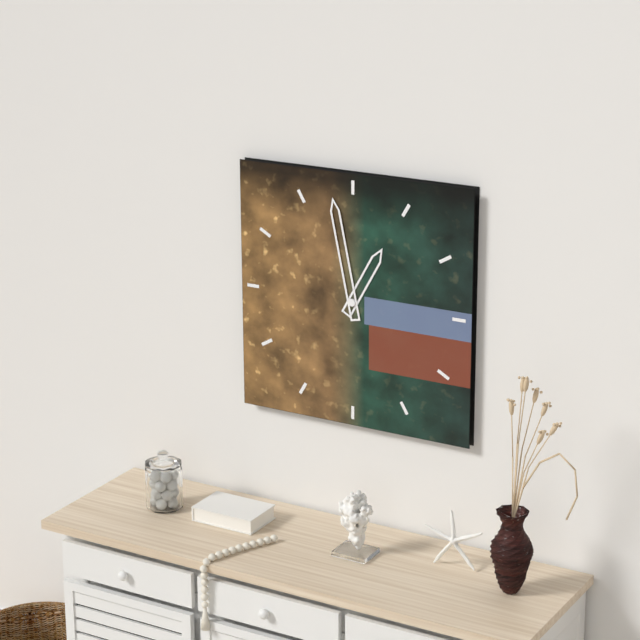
12.58
